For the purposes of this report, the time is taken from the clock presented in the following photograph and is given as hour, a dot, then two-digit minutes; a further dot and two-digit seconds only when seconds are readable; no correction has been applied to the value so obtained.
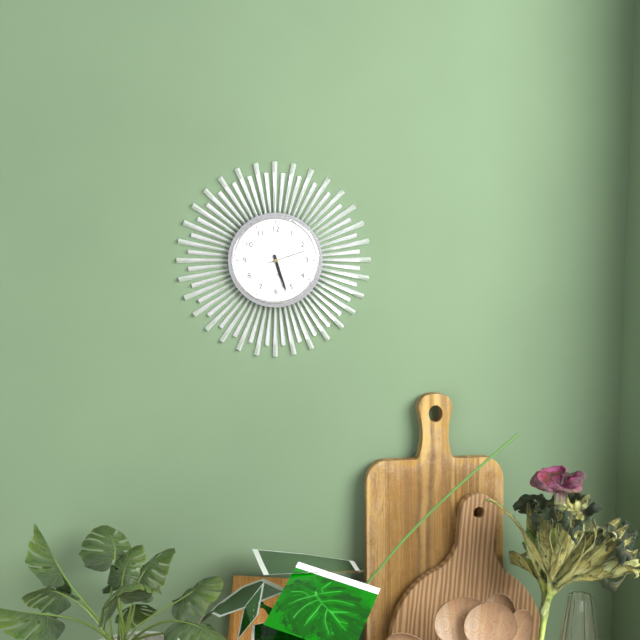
5.27
